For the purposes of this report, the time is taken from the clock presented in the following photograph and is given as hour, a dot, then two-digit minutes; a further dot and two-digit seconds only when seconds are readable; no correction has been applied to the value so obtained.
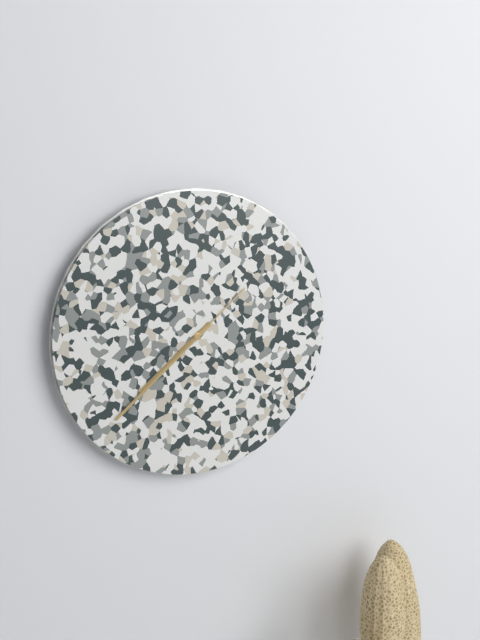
7.38.08
